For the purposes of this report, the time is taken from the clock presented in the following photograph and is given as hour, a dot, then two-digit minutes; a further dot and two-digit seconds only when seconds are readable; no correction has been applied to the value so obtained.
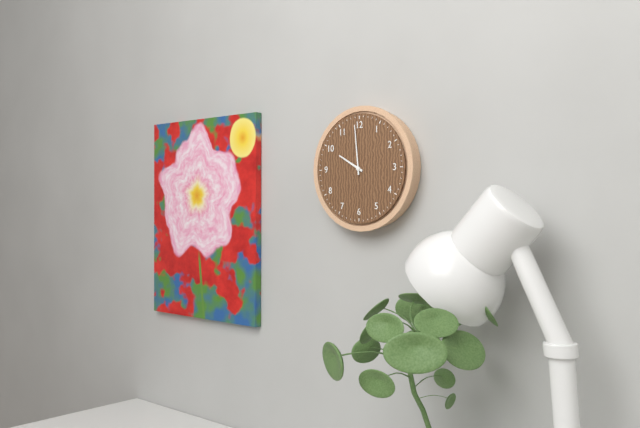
9.59
